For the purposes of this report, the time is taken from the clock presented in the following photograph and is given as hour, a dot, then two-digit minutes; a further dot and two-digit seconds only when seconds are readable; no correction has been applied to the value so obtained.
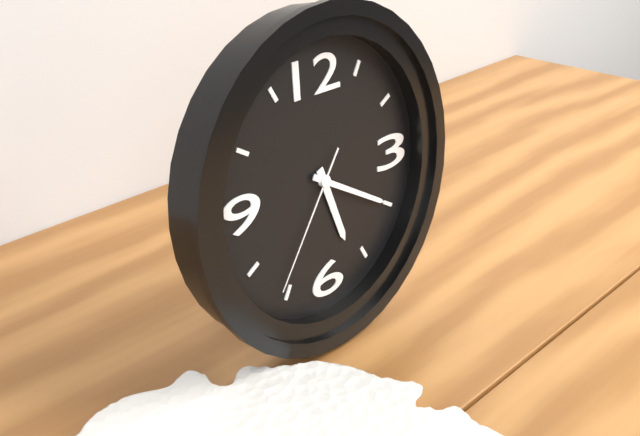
5.20.36
